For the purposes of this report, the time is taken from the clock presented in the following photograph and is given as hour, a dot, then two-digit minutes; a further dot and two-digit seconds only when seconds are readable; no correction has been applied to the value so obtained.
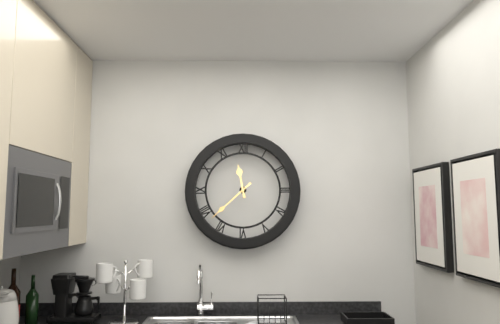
11.38
